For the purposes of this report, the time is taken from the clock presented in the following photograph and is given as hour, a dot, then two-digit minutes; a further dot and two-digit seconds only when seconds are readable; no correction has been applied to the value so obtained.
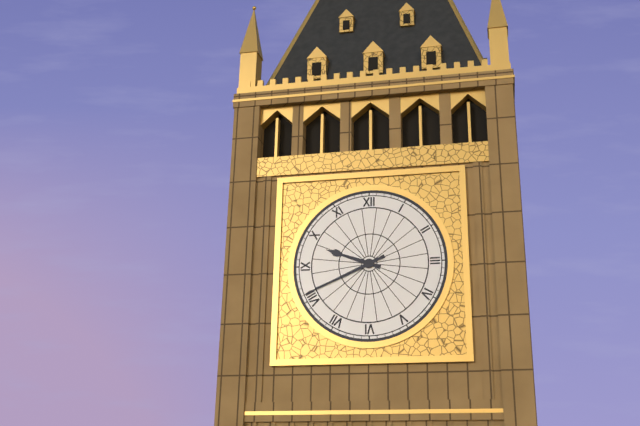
9.41
